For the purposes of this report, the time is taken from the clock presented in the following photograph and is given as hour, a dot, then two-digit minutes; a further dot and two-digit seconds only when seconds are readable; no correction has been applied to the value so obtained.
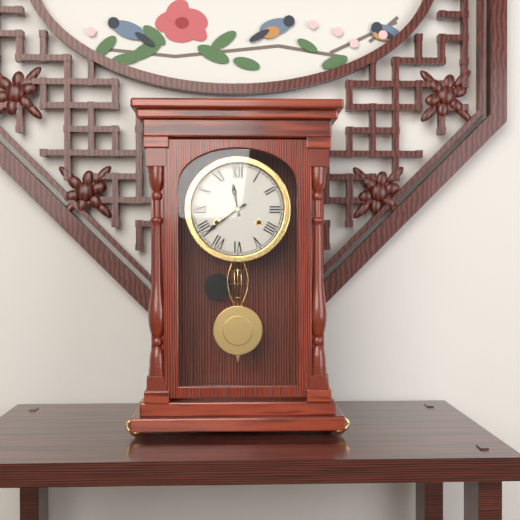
11.39
